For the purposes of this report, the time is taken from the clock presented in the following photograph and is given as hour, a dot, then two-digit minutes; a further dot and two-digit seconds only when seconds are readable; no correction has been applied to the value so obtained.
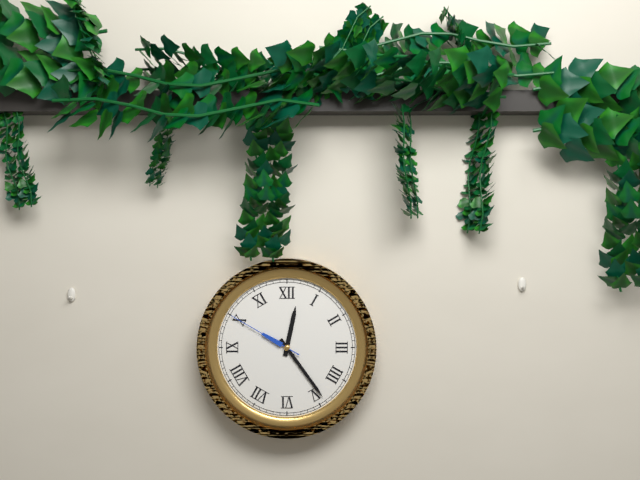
12.24.50
